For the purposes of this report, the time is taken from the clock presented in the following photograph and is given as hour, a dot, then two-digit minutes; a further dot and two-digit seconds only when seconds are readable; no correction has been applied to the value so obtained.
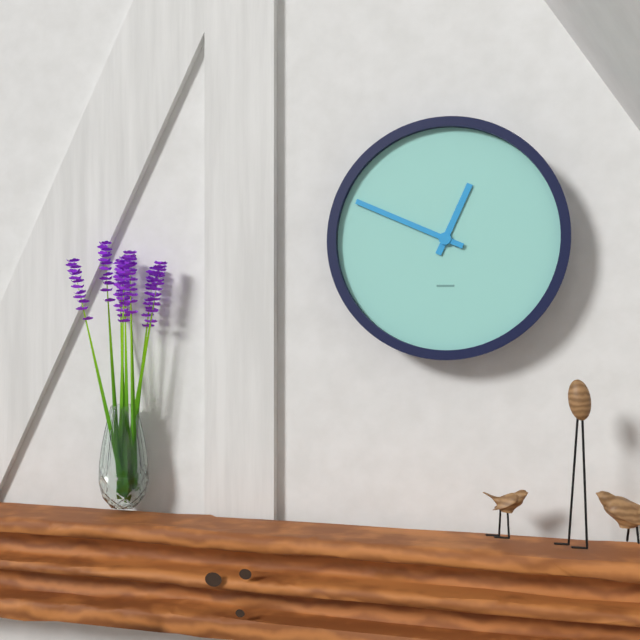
12.49
